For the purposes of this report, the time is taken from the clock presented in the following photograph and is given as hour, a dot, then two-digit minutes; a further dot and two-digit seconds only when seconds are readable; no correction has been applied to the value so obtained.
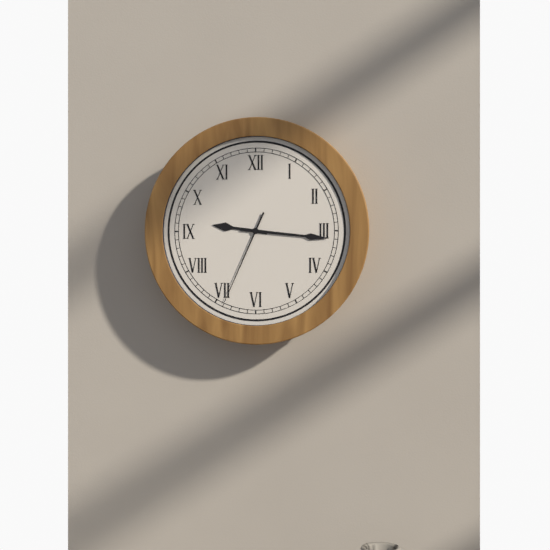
9.16.34
